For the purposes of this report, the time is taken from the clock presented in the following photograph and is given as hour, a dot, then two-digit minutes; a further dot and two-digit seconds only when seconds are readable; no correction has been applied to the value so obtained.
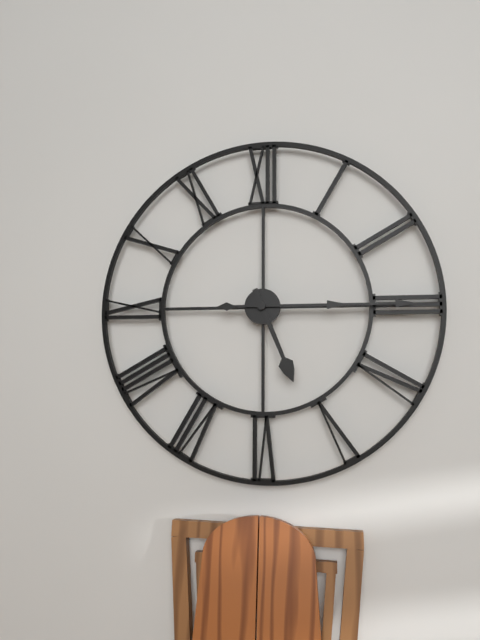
5.15
